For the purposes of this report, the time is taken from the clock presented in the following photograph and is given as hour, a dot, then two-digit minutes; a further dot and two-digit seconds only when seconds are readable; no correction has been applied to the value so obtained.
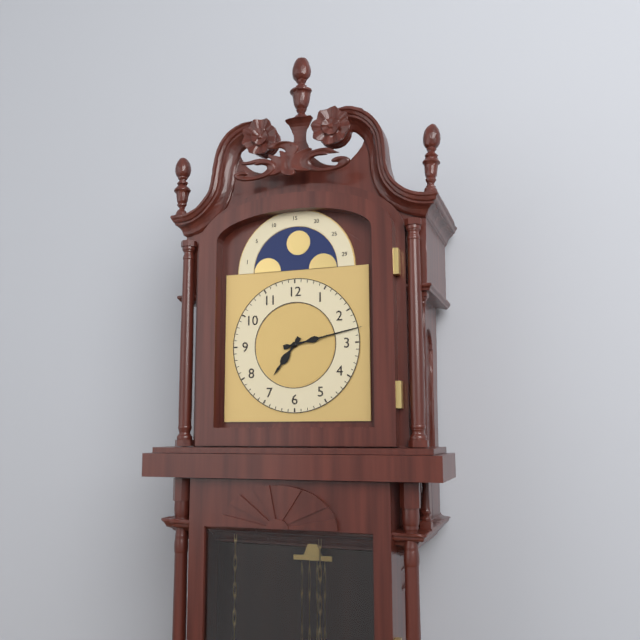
7.13
